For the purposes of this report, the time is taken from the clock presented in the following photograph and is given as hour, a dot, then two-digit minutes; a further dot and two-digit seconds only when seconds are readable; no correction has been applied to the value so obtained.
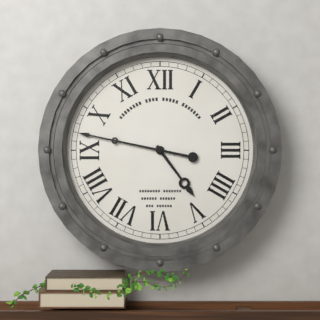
4.47
